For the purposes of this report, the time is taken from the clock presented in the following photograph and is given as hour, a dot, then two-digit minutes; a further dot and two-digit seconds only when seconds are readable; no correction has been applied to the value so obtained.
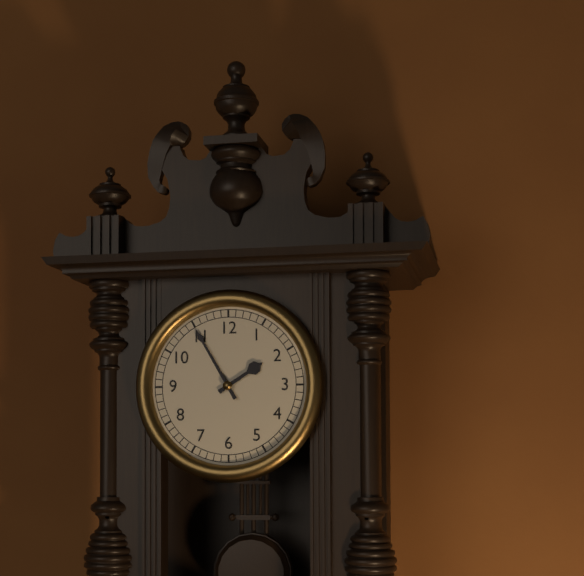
1.55
